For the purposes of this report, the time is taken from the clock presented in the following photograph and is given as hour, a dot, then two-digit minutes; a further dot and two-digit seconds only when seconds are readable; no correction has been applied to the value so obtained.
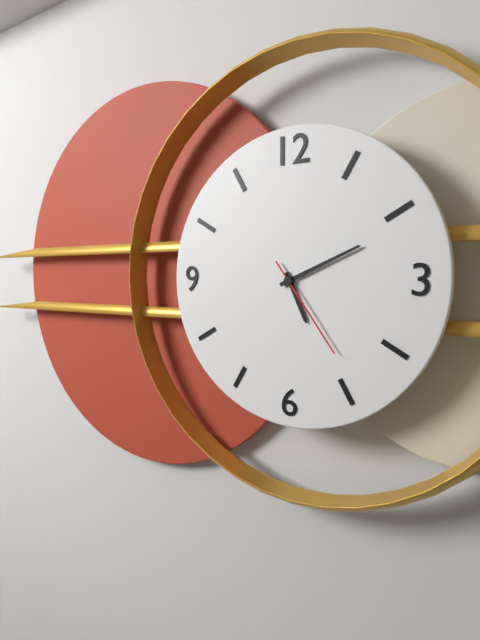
5.11.24
